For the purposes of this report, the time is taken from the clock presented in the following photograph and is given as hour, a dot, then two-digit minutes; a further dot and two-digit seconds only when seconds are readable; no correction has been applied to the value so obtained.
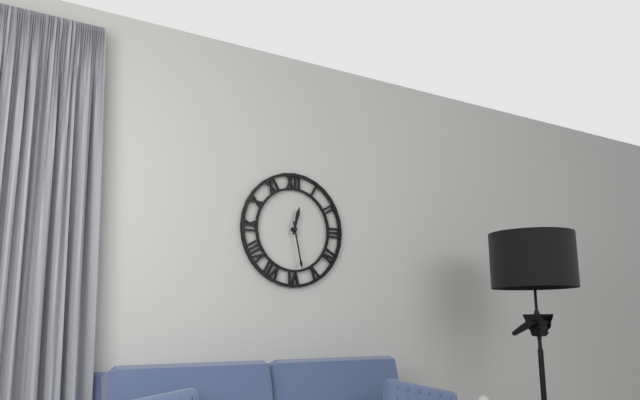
12.28
